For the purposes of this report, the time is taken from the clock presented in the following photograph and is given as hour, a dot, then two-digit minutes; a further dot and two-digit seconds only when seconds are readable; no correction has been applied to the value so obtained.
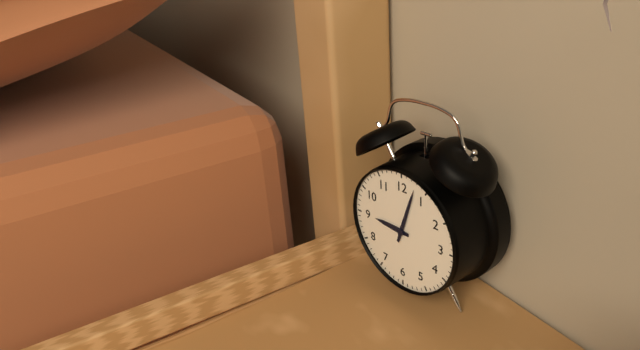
9.03
